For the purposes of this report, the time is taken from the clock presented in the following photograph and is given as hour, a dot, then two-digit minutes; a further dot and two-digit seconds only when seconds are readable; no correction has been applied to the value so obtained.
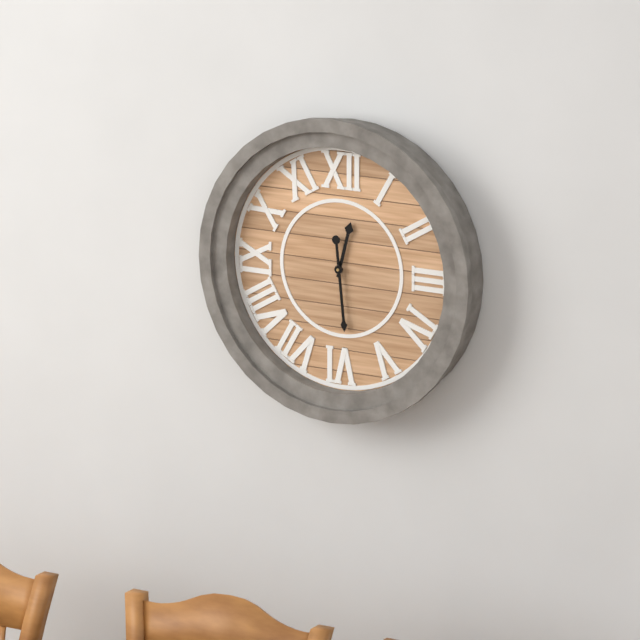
12.29
